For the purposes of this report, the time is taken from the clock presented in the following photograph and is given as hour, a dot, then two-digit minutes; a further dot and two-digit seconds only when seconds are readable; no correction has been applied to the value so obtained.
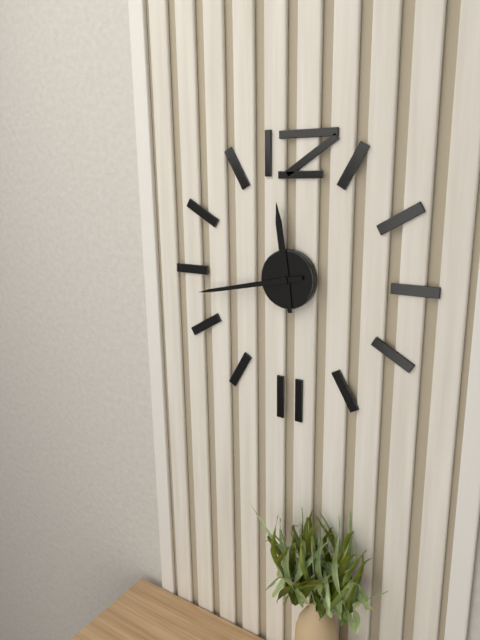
11.43
